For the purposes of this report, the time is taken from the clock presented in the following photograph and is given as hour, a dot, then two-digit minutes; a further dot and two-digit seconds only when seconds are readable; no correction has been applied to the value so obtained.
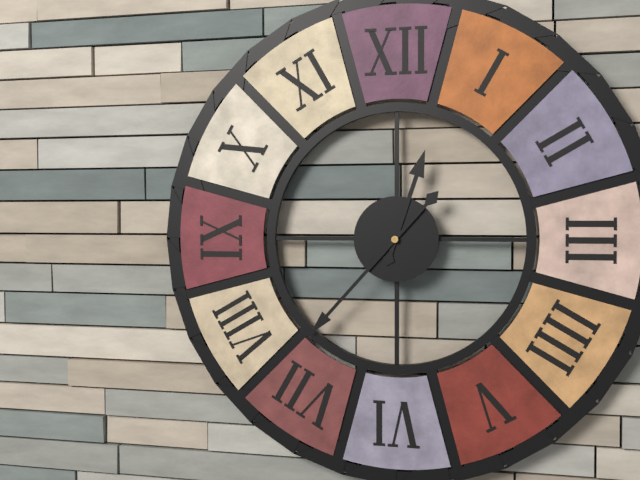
12.37
